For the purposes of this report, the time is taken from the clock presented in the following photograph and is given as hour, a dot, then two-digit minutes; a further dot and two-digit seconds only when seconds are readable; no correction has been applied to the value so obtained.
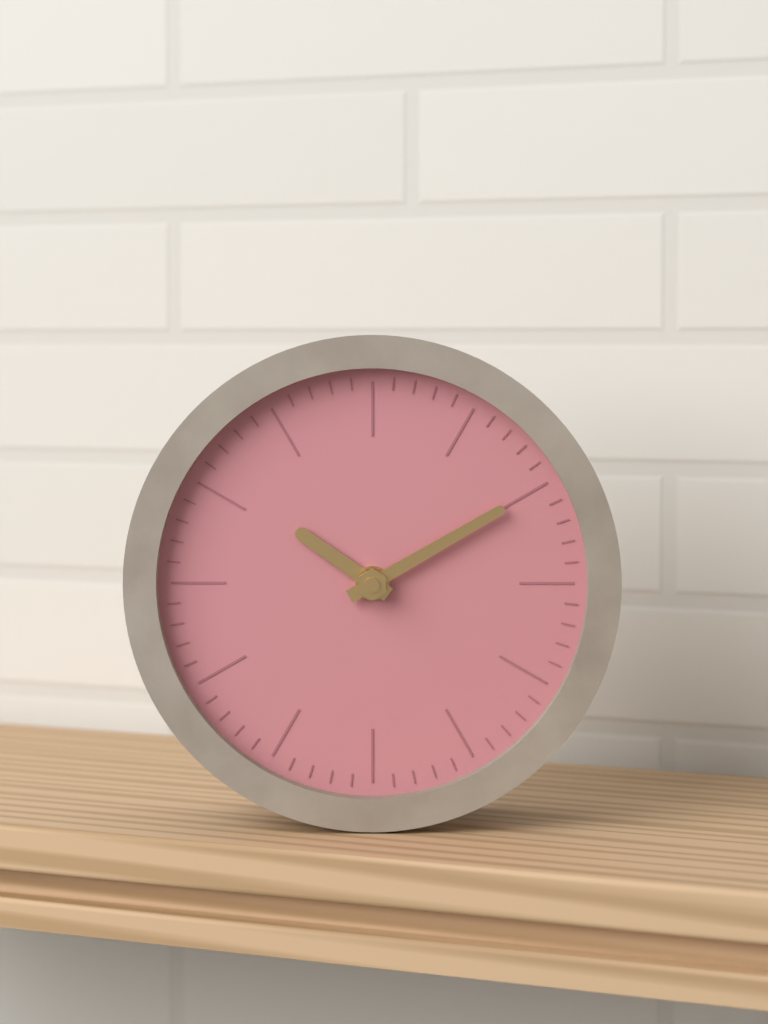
10.10
